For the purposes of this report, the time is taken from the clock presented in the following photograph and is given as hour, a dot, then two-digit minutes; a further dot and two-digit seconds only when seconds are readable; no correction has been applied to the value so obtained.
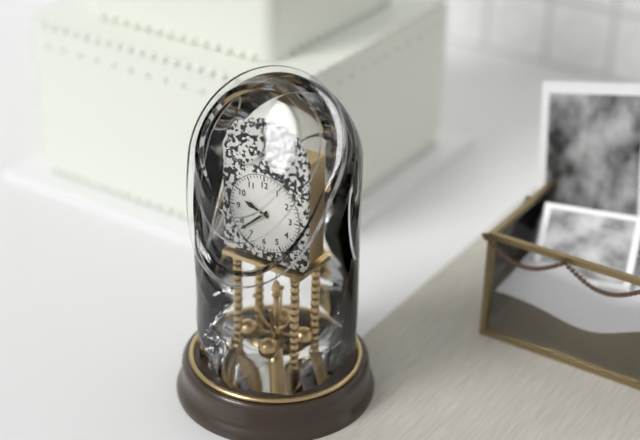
9.38
